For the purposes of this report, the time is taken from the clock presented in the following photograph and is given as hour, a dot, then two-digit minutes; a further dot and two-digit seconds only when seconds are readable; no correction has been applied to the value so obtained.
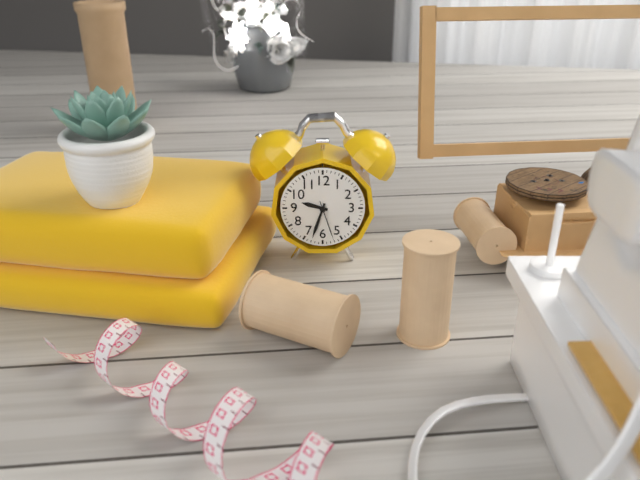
9.33
